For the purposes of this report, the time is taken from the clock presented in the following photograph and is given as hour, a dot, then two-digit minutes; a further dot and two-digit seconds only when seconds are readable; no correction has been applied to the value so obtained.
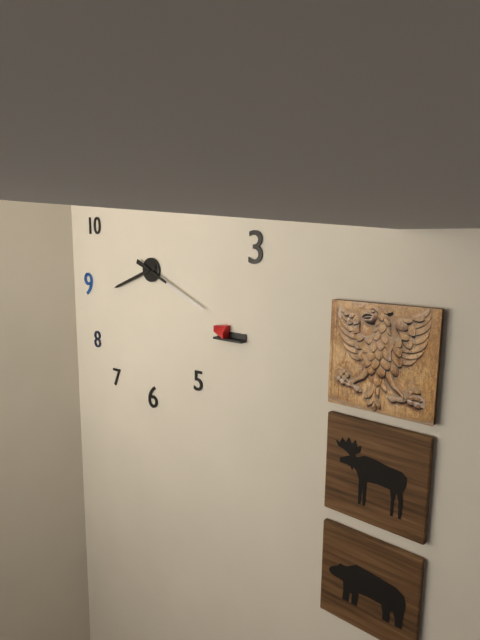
8.19
